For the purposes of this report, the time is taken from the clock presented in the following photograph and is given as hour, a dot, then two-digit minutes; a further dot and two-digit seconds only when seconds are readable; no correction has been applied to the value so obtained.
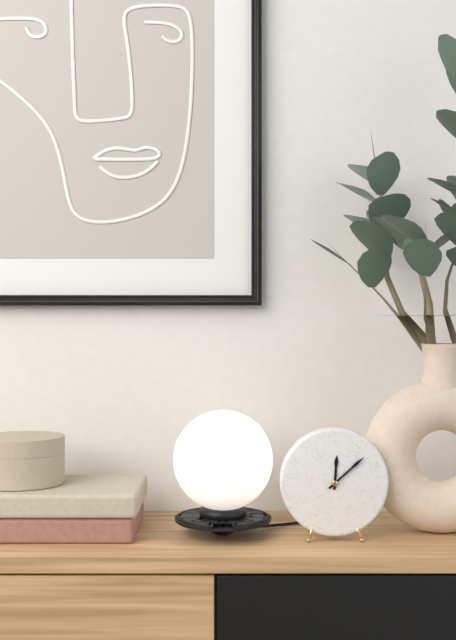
12.08
